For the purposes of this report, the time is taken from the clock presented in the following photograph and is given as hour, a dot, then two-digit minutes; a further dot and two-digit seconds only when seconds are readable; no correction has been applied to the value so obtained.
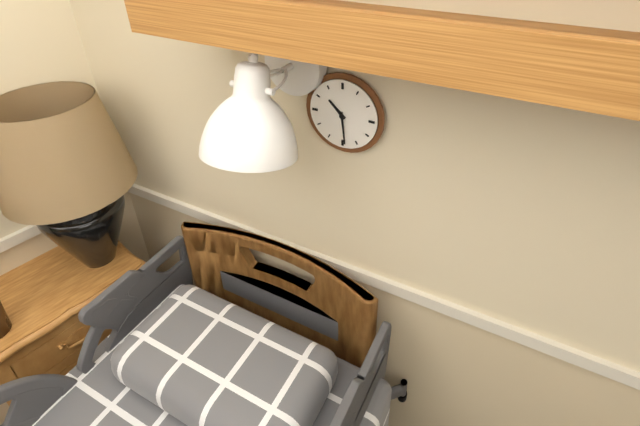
10.29
